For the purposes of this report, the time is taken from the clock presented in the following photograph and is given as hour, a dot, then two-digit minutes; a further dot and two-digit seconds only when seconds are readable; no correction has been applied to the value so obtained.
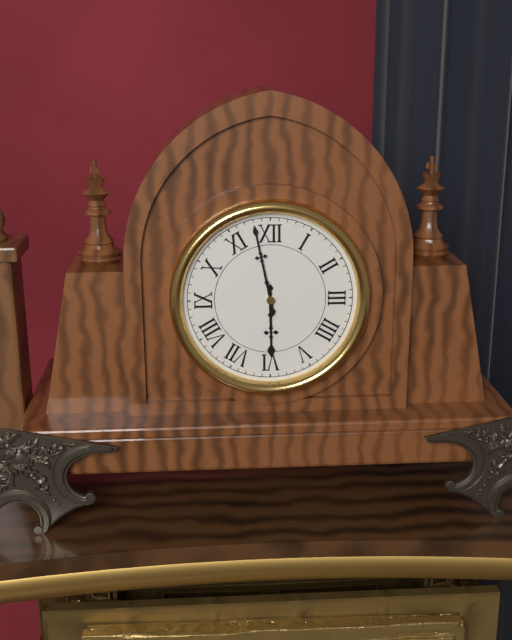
5.58
